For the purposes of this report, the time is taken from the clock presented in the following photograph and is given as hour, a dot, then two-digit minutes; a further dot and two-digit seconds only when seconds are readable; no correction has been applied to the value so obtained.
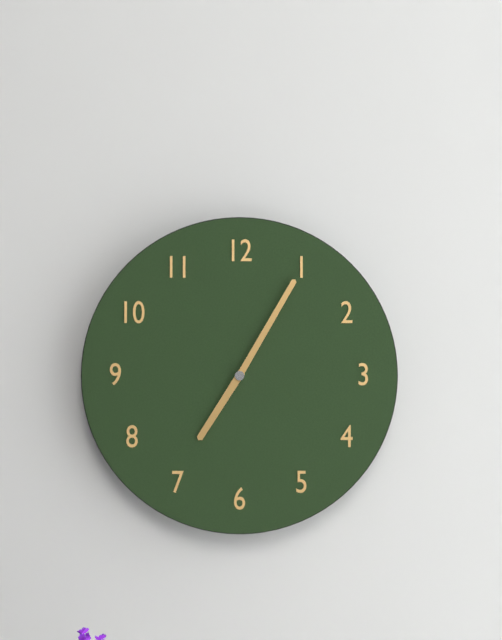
7.05
